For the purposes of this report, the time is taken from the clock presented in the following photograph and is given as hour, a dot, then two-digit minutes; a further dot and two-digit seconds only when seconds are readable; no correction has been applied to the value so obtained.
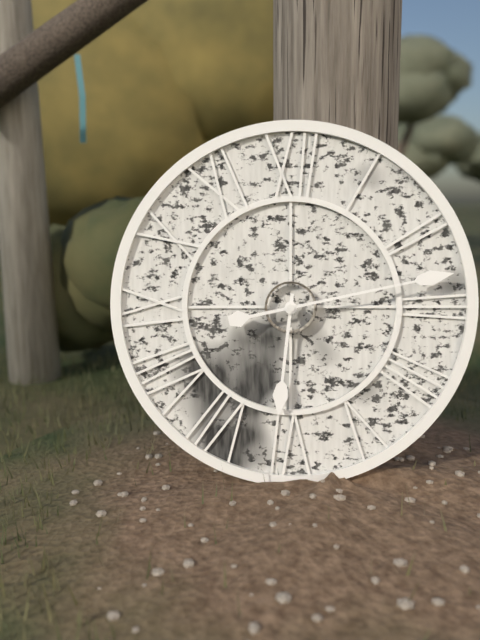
6.13
